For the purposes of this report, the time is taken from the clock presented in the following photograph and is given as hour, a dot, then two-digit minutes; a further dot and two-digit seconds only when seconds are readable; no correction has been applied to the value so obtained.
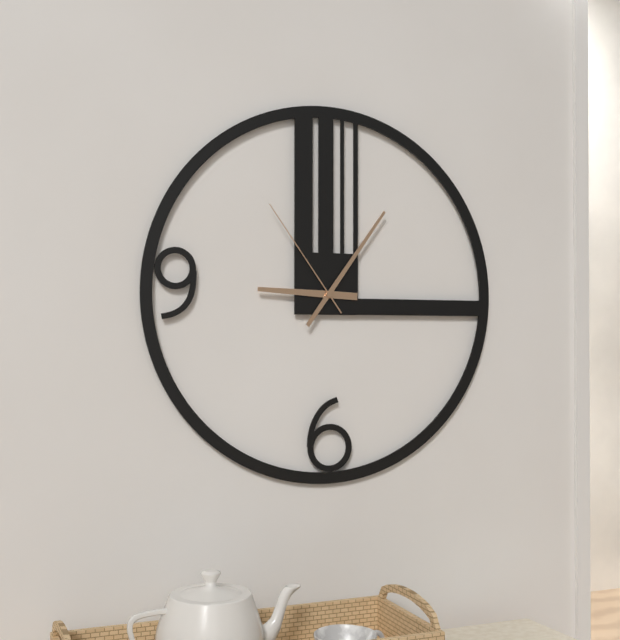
9.06.54
